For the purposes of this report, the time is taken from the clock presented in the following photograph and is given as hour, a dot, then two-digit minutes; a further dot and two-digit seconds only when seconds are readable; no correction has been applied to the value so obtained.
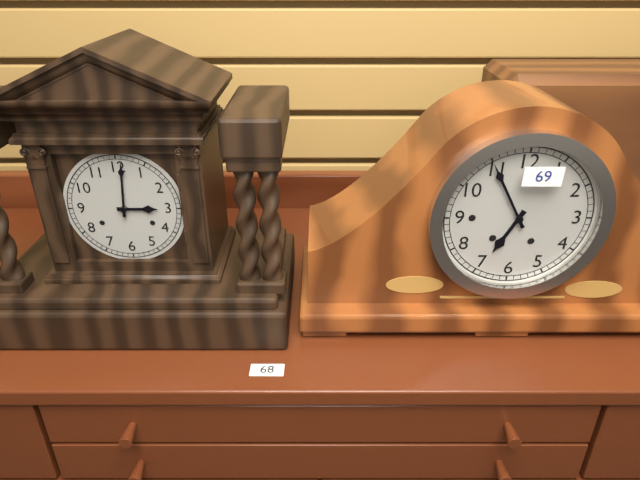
3.01
